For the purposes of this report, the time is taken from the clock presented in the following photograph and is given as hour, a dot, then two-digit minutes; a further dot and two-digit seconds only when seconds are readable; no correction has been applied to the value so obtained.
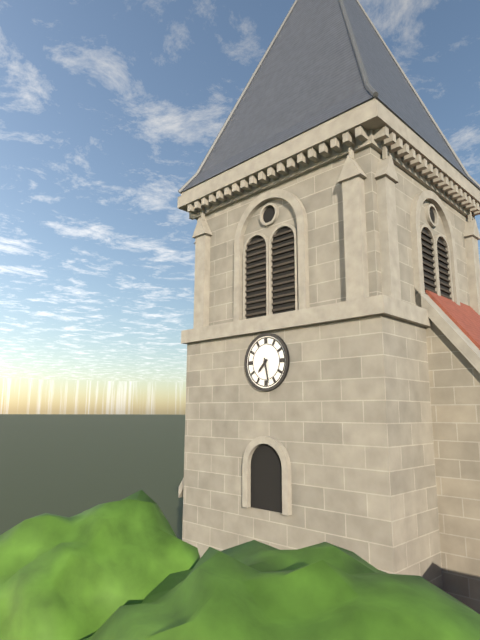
7.28
